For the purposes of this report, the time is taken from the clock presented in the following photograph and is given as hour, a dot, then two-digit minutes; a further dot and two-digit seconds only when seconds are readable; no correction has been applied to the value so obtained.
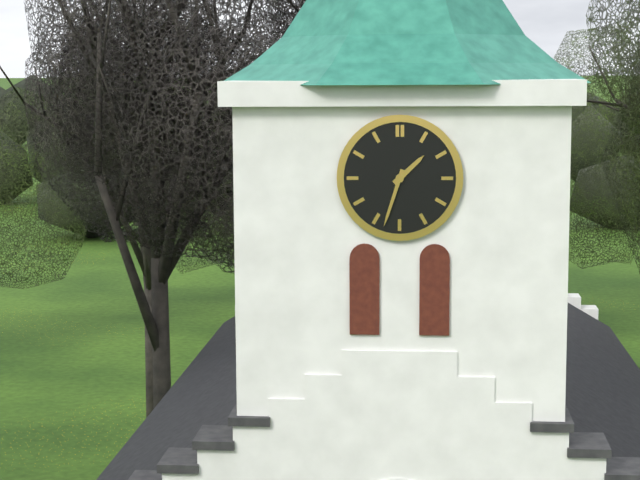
1.33
